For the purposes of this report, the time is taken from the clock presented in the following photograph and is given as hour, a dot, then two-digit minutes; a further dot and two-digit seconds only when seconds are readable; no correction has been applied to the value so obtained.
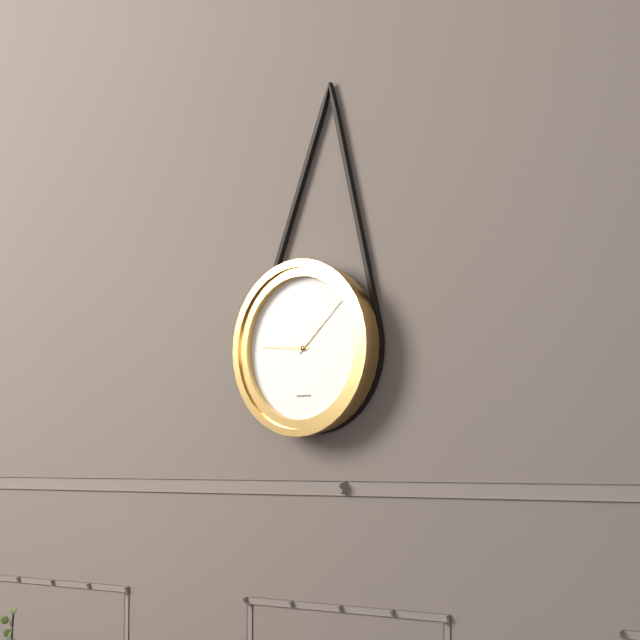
9.08
